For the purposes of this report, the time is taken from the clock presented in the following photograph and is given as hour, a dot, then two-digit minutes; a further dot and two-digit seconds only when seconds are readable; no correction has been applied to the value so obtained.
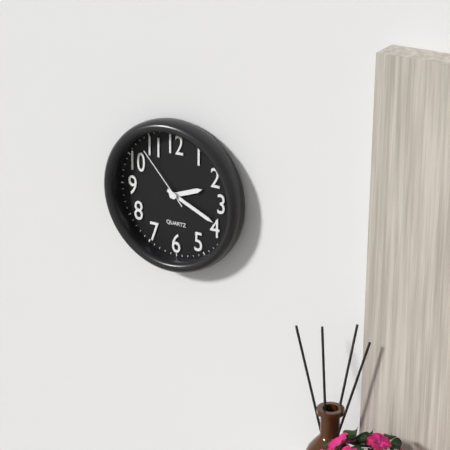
2.19.53
